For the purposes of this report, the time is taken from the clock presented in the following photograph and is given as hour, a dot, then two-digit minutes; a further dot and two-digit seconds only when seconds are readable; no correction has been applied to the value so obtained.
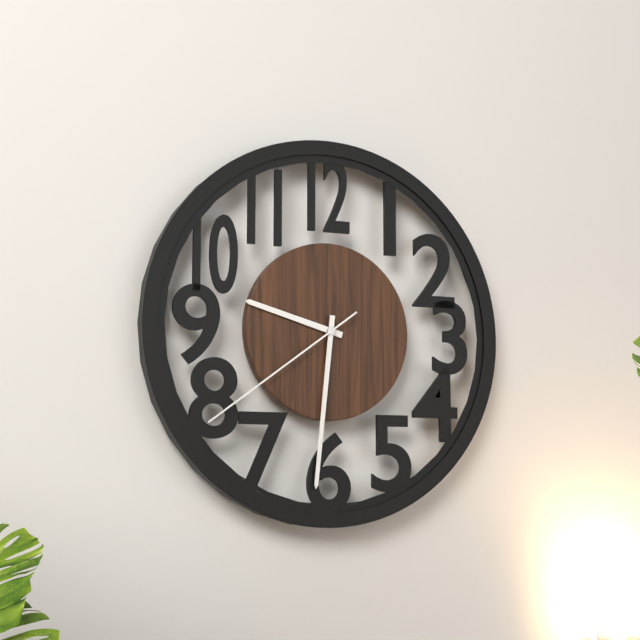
9.31.39
